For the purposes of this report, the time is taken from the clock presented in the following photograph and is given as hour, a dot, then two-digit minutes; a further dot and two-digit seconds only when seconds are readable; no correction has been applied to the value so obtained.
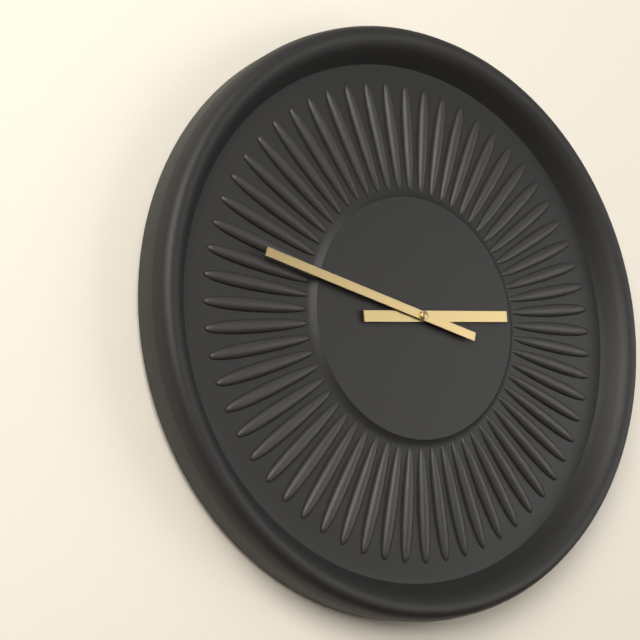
2.47
